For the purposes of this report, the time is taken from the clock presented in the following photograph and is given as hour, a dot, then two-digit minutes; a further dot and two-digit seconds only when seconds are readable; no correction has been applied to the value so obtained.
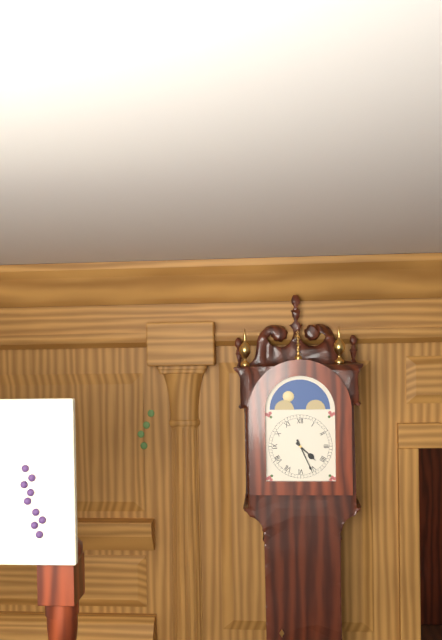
4.26
